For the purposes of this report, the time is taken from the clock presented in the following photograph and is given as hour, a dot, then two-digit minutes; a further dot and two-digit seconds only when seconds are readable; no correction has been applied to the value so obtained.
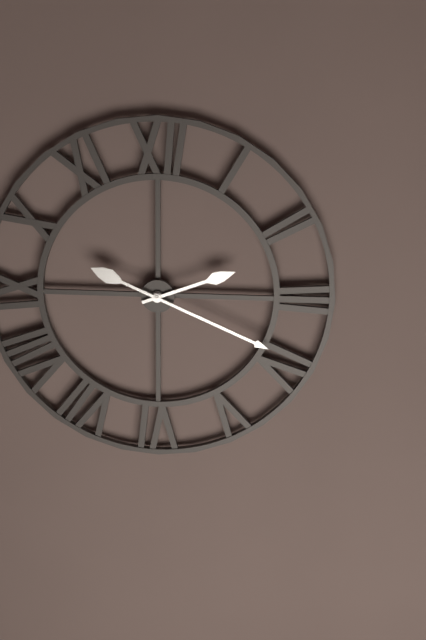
2.19
